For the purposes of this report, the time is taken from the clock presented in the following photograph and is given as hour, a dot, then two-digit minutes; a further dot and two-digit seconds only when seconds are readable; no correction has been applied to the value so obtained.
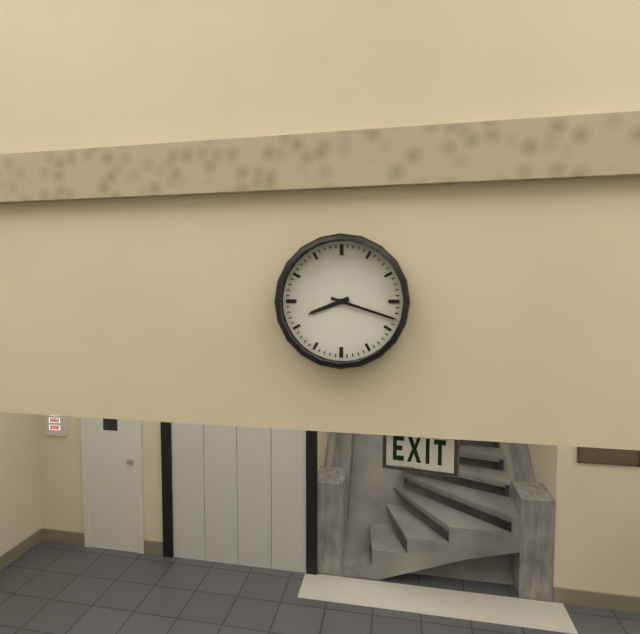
8.18
